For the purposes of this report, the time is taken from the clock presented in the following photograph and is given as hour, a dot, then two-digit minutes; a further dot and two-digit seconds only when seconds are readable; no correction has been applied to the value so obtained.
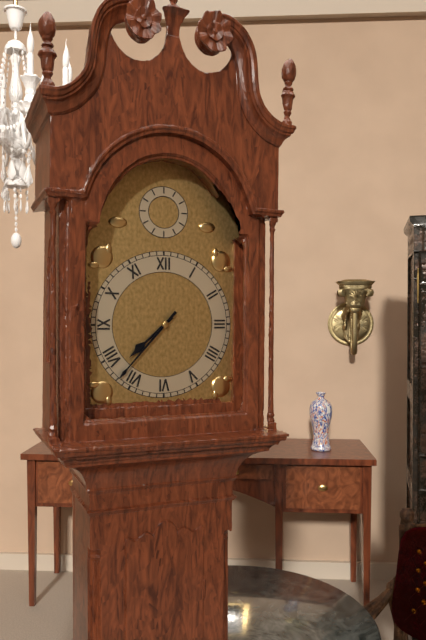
7.37
